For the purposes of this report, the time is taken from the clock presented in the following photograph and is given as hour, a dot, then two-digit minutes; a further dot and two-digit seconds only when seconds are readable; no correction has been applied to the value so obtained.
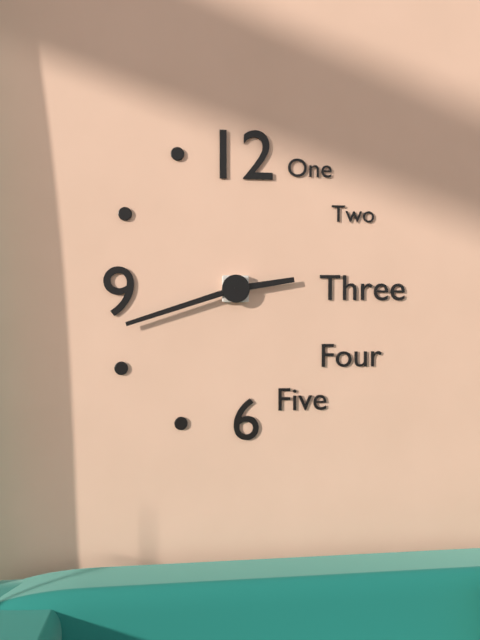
2.42
